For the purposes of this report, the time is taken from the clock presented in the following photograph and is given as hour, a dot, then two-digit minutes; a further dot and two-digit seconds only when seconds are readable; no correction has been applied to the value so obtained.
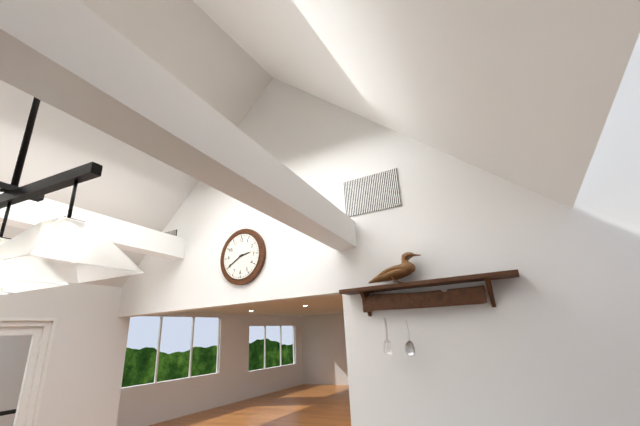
2.40
